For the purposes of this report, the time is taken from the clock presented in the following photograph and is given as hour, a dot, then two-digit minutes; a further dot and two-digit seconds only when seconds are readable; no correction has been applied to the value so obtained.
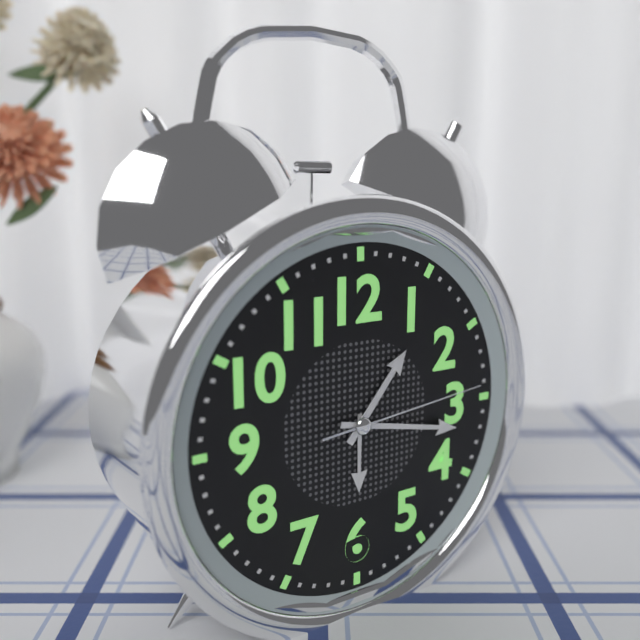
1.17.14
